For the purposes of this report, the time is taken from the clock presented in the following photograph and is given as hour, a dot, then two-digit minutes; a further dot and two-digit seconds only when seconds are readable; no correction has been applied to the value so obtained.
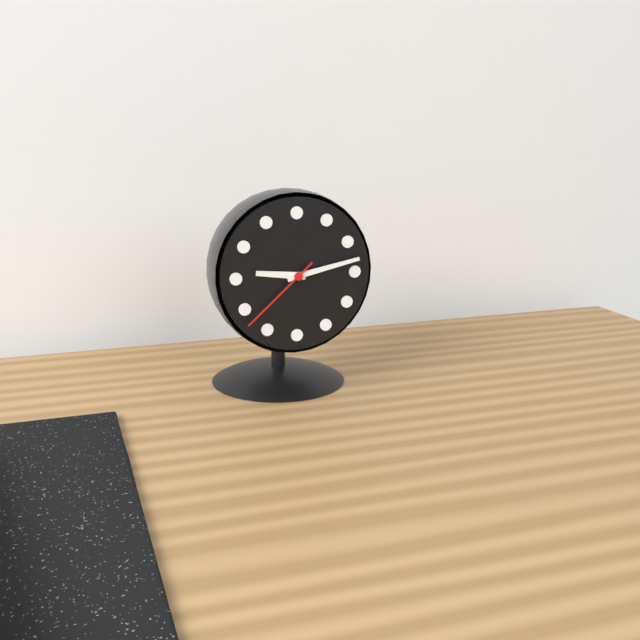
9.13.38
